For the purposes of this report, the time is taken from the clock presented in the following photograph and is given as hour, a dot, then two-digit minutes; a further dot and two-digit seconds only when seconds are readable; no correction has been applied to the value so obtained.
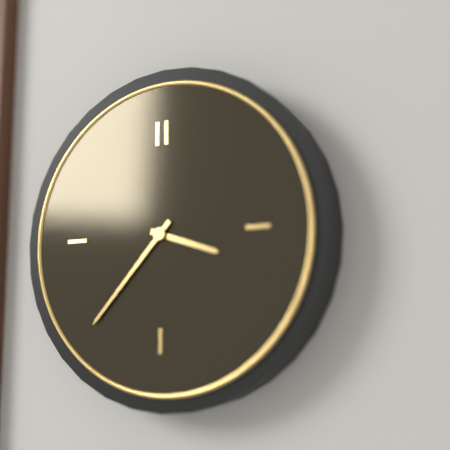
3.37
